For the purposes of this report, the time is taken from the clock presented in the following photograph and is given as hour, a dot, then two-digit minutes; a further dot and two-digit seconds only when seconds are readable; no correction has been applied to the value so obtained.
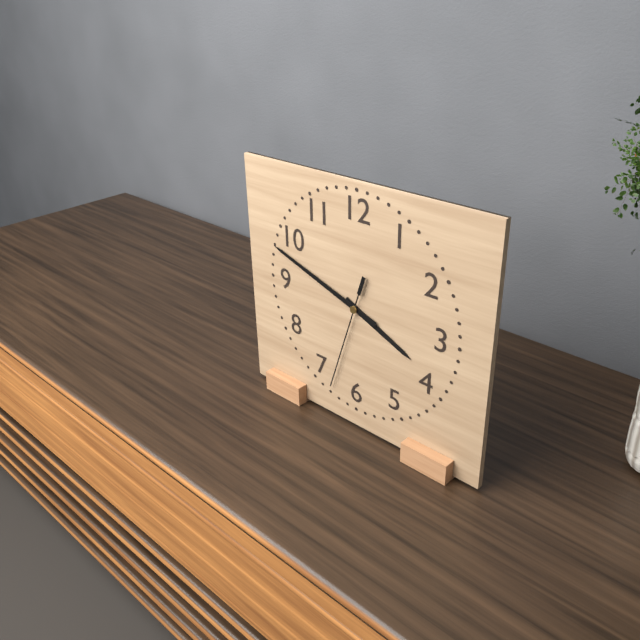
3.48.33
